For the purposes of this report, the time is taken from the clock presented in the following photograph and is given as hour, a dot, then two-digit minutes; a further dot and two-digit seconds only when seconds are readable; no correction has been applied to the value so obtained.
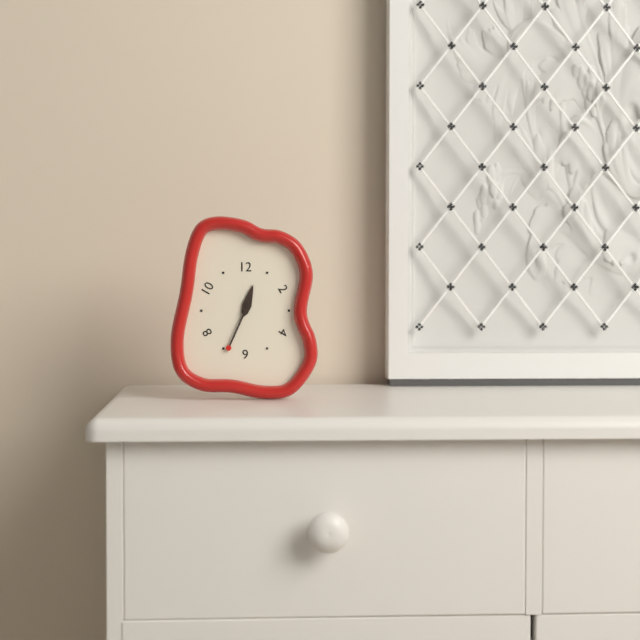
12.34
